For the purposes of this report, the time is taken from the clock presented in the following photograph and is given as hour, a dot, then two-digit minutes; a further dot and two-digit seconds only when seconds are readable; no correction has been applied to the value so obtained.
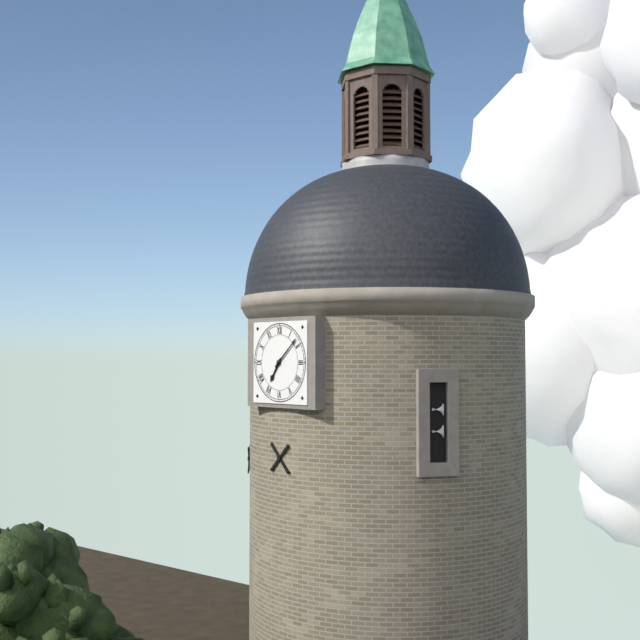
7.08
